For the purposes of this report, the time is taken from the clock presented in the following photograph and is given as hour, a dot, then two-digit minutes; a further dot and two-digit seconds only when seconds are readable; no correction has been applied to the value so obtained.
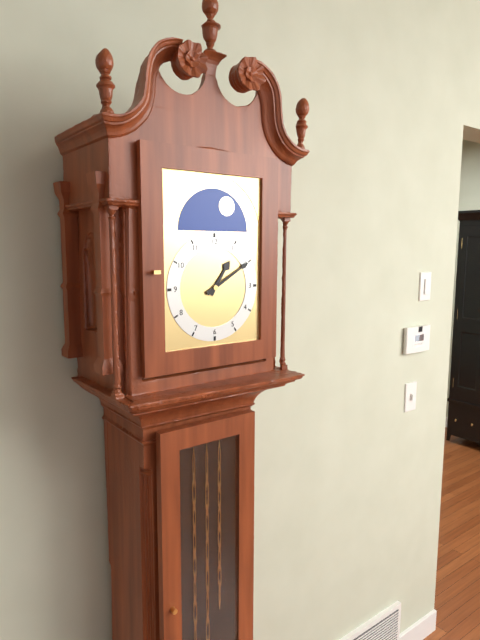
1.10
